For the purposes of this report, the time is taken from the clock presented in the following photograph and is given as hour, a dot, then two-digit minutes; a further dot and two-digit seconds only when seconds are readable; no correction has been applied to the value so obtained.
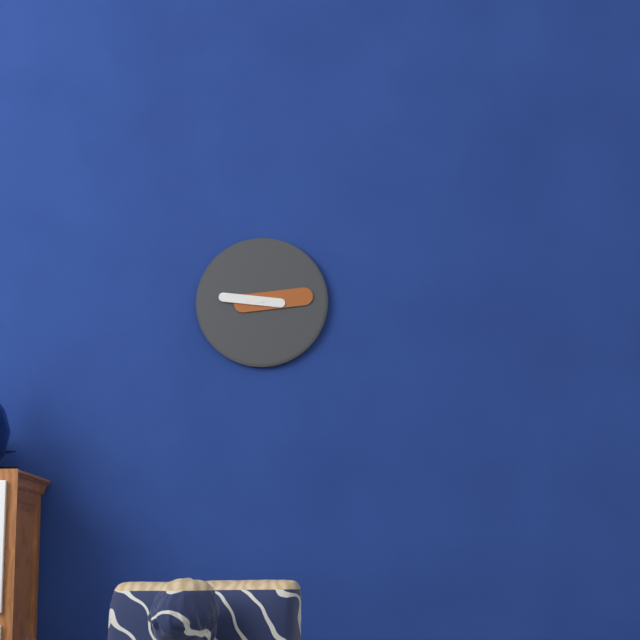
9.14
